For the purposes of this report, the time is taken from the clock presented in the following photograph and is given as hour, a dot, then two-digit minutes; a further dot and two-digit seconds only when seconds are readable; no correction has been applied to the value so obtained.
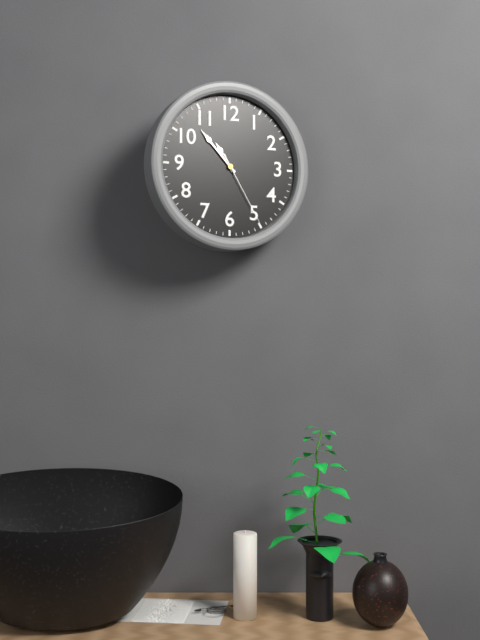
10.53.25
